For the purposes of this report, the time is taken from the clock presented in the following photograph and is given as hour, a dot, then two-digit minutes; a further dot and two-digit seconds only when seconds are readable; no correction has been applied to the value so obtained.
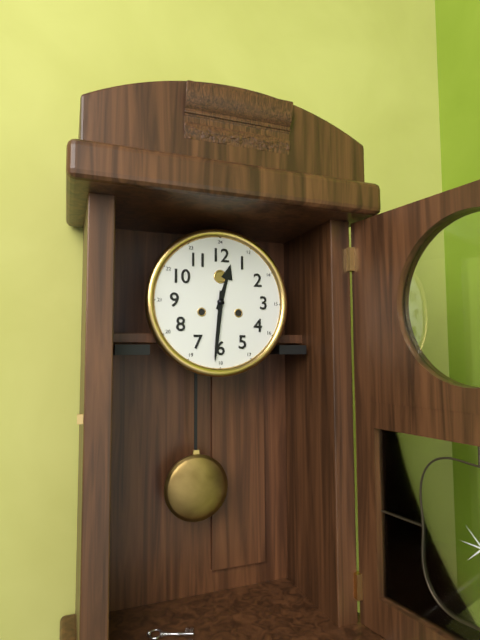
12.31
